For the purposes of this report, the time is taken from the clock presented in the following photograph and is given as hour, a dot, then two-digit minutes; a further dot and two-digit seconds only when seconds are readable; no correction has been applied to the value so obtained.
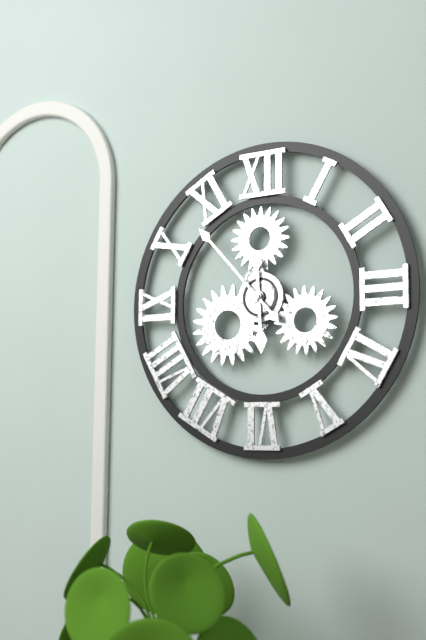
5.53
